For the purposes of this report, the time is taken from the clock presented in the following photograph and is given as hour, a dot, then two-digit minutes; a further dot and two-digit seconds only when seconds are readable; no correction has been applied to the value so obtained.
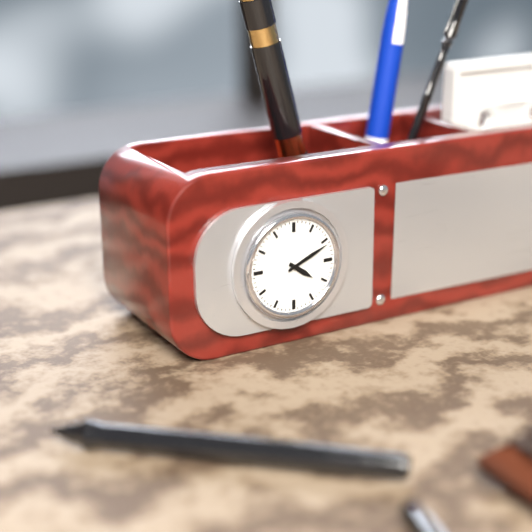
4.11
